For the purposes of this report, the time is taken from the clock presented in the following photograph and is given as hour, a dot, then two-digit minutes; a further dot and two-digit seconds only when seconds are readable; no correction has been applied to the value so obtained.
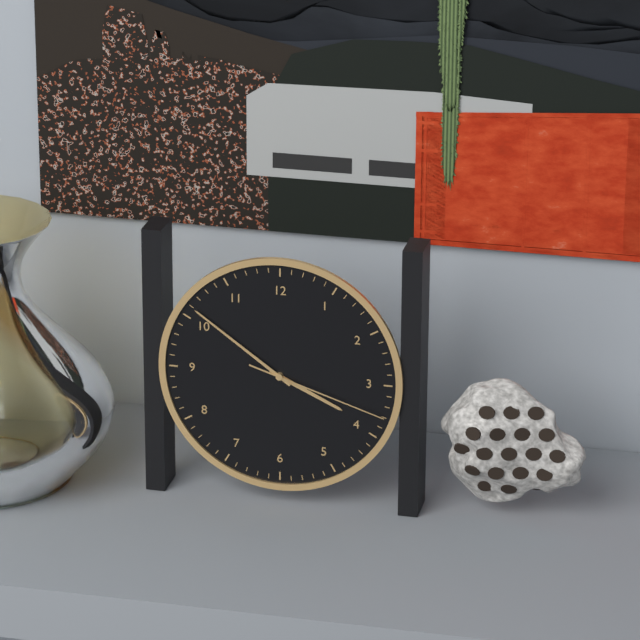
3.51.18
